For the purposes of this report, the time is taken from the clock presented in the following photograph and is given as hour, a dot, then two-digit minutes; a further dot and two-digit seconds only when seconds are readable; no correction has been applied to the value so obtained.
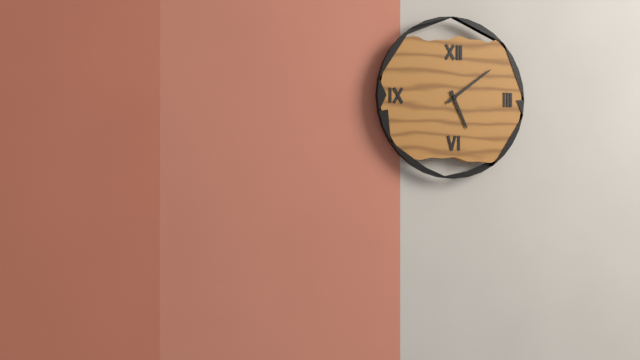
5.09
